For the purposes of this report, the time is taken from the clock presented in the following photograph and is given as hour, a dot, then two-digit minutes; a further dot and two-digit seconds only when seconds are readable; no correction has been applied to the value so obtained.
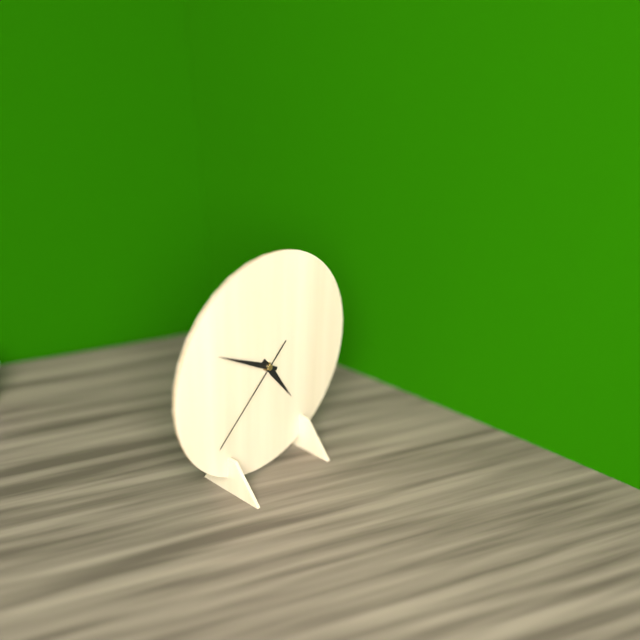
4.50.38
